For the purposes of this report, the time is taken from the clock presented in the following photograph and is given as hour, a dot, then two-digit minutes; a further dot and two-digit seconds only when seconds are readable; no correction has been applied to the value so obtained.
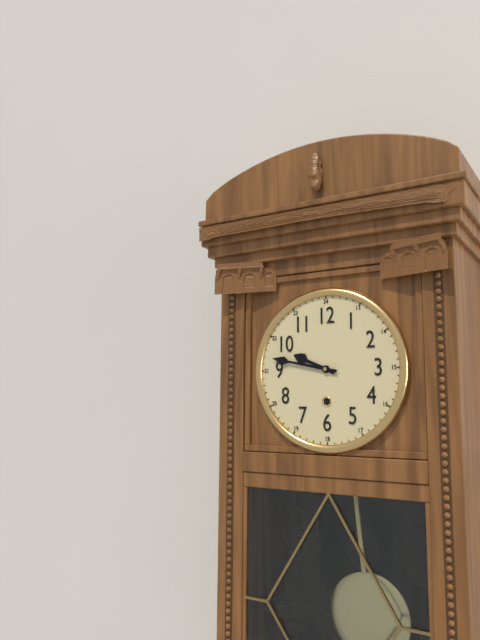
9.47
